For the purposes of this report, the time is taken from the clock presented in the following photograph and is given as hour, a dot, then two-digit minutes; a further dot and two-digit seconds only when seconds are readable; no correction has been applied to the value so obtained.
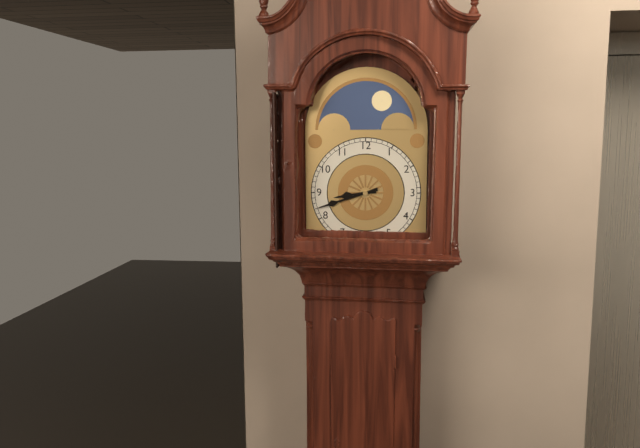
8.42
